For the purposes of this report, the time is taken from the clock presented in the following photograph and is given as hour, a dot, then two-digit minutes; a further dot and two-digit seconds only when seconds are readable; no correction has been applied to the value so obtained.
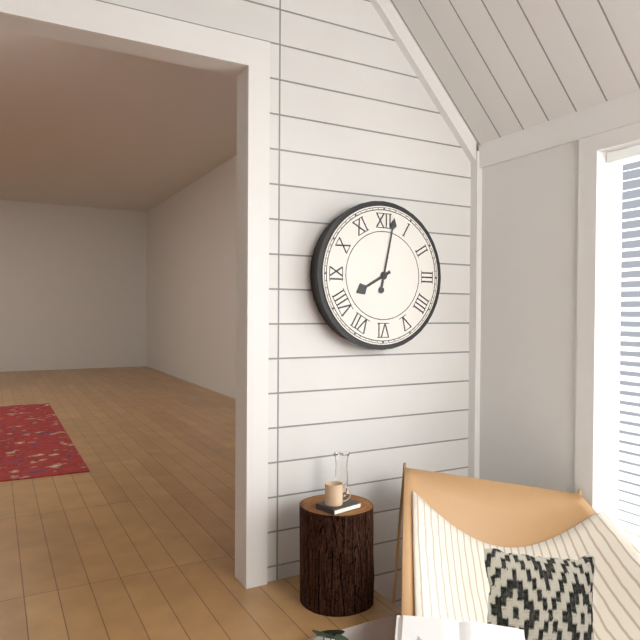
8.02
